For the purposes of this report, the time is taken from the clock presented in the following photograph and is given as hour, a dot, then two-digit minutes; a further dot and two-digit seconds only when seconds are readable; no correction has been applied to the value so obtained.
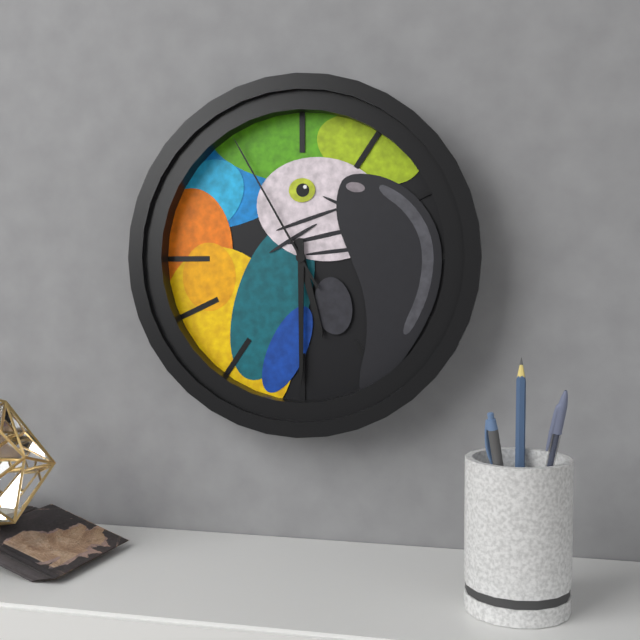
5.30.55
